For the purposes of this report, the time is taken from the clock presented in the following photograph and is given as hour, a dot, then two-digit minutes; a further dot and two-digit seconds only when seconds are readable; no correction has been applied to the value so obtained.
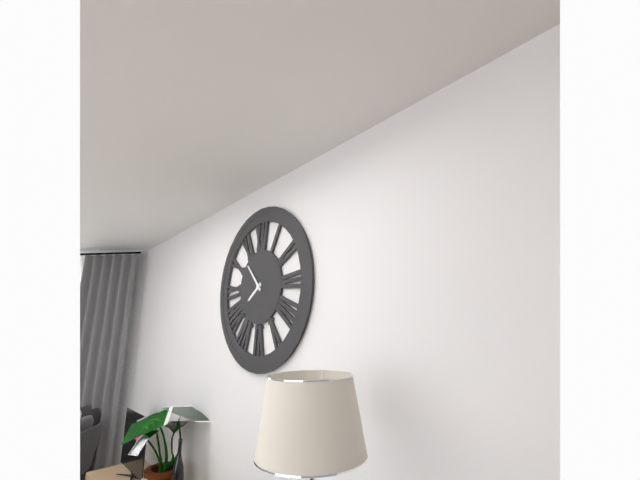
7.53
